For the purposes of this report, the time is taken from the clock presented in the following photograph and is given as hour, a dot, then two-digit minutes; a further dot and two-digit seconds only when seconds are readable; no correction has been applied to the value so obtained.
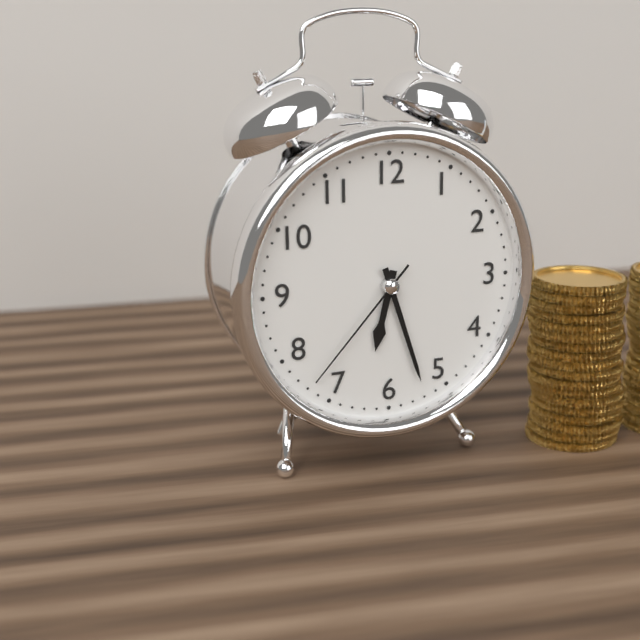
6.27.37
